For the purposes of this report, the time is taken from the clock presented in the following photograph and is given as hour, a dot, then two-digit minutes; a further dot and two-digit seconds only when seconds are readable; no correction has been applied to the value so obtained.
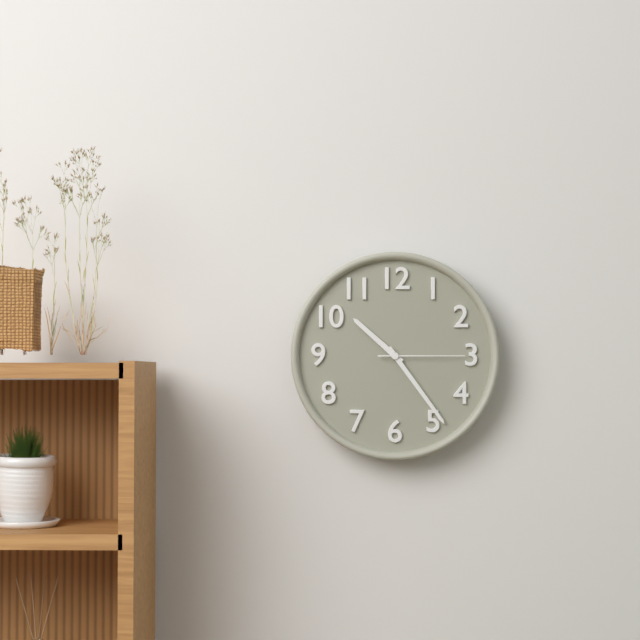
10.24.15
